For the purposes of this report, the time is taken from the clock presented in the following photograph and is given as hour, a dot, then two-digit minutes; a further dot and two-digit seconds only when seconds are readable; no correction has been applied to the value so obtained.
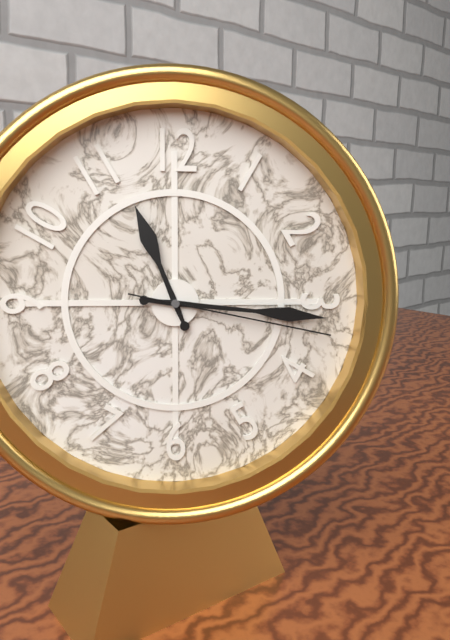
11.16.17
